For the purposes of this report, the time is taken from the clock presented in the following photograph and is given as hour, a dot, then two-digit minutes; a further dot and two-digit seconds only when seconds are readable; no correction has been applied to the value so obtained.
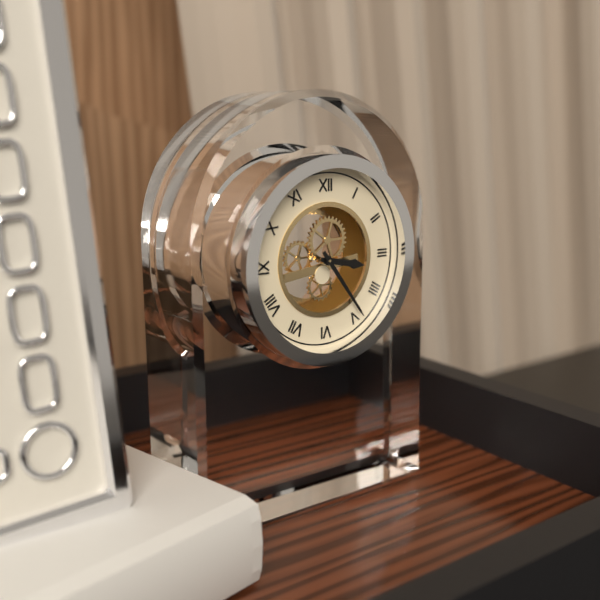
3.24
